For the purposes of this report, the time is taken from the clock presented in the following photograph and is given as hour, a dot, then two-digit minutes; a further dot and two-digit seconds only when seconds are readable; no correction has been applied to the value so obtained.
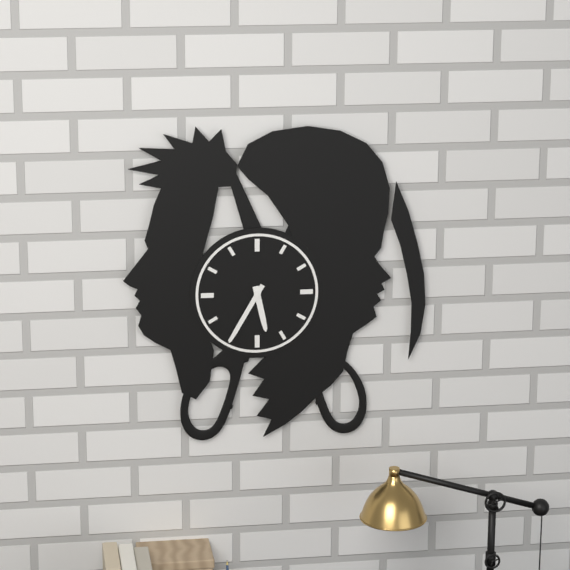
5.35
